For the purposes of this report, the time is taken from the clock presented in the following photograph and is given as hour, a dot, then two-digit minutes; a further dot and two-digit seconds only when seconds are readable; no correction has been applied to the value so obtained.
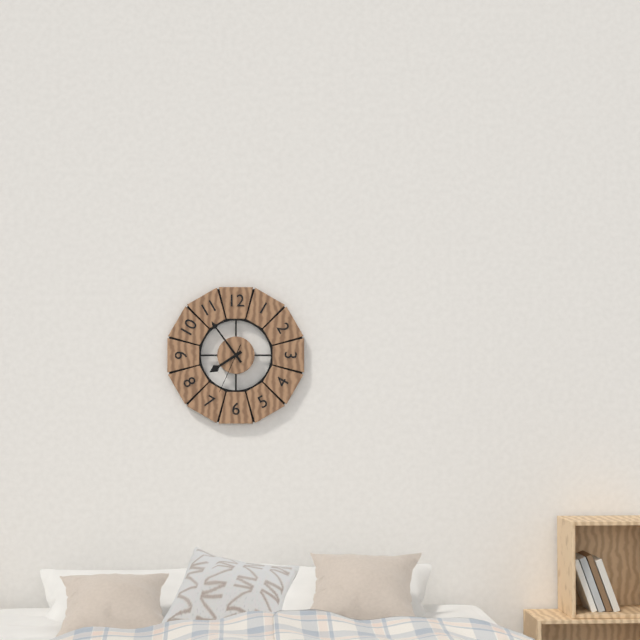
7.54.34
